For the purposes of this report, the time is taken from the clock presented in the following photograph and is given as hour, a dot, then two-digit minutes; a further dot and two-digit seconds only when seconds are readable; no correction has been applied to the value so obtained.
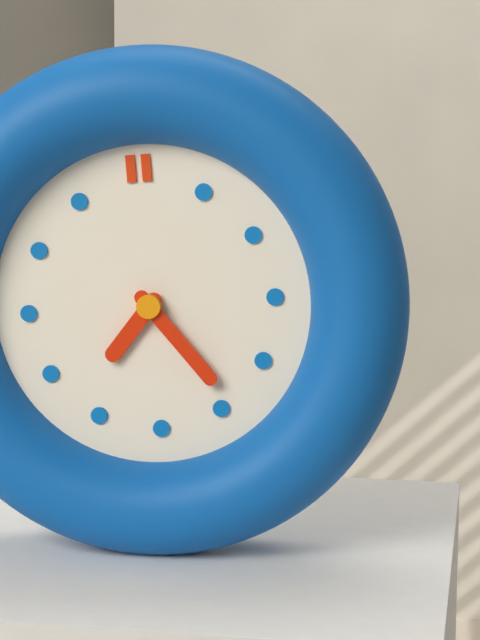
7.24
